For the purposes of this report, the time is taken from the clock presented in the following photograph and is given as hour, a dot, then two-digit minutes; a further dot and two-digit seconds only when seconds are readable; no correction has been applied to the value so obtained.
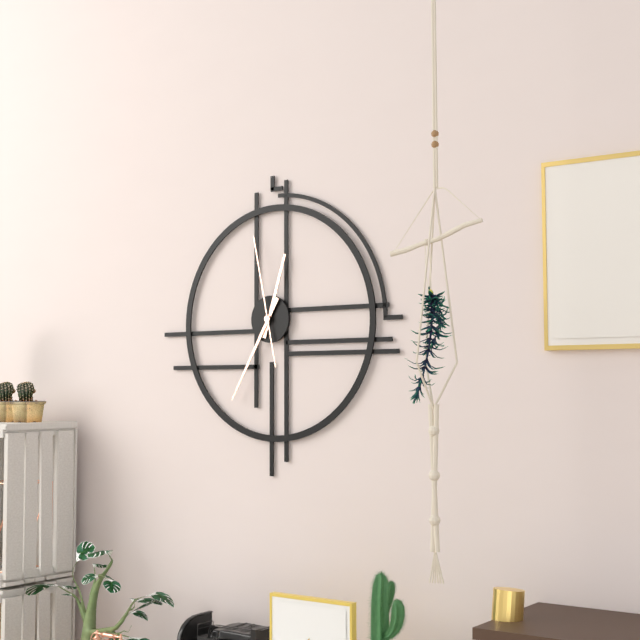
12.35.58
